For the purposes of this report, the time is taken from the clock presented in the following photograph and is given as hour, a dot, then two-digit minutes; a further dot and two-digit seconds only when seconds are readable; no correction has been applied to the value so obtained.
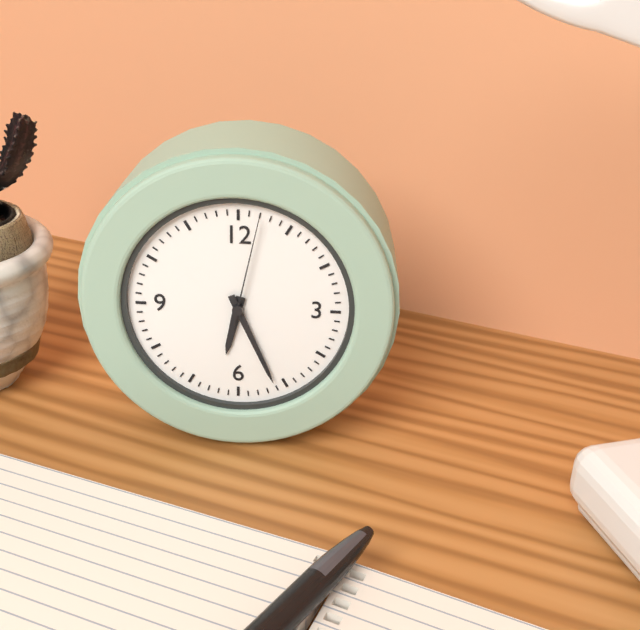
6.26.02
